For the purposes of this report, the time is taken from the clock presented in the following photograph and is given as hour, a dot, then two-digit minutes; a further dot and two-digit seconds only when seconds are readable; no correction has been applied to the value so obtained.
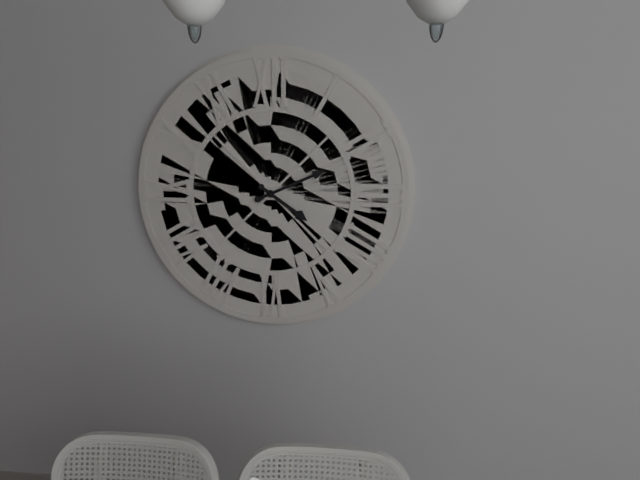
4.11
